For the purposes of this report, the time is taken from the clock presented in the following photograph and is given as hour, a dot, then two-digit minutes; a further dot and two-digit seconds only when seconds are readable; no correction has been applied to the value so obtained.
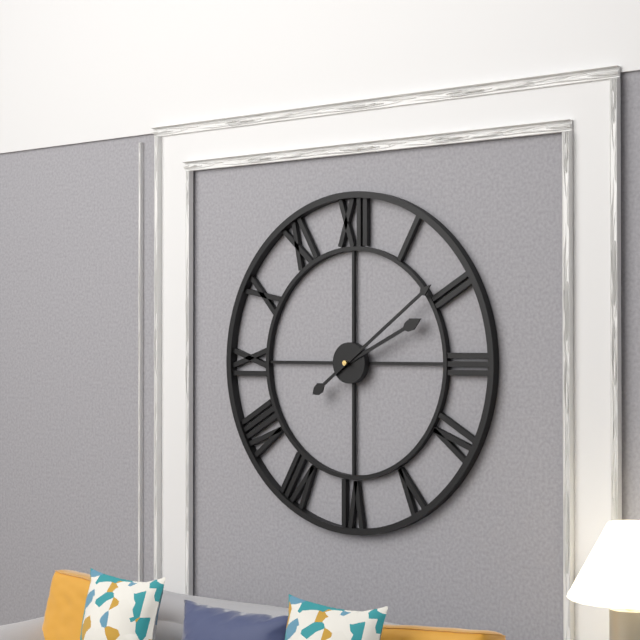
2.09
